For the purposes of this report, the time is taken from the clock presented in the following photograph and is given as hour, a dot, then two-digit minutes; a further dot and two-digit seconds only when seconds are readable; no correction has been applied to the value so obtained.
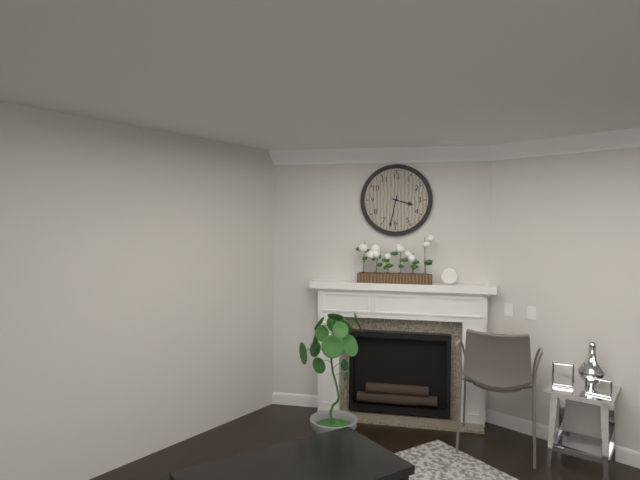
3.32
